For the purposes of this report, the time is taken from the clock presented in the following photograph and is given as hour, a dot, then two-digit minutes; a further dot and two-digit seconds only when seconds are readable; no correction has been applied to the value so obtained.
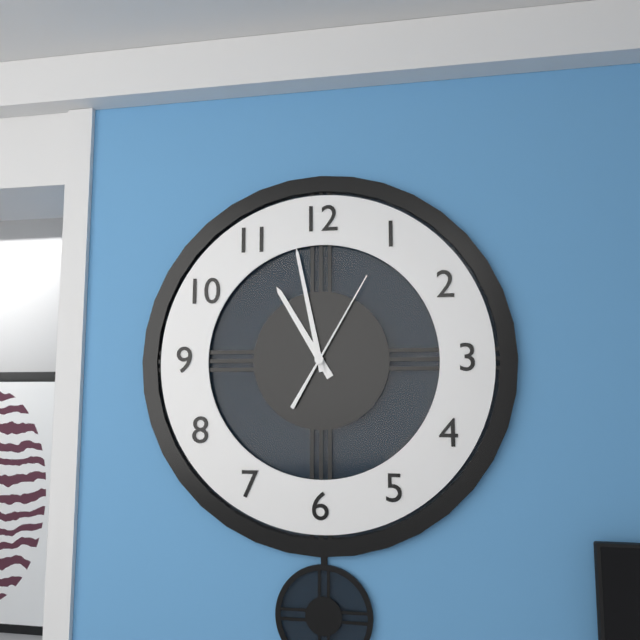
10.58.05
